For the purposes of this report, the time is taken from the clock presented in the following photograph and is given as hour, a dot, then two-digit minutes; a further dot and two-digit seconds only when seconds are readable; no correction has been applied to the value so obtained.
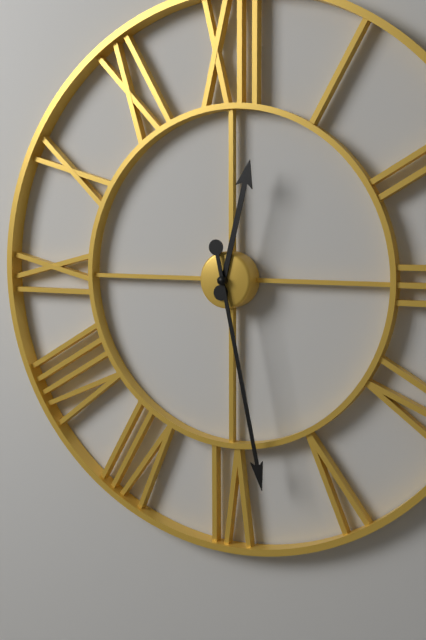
12.28
